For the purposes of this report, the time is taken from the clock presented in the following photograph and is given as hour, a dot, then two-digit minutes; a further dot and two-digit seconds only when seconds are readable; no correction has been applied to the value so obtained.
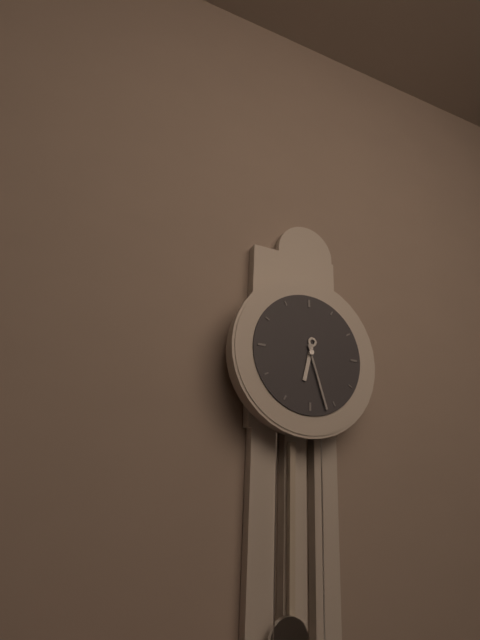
6.27
